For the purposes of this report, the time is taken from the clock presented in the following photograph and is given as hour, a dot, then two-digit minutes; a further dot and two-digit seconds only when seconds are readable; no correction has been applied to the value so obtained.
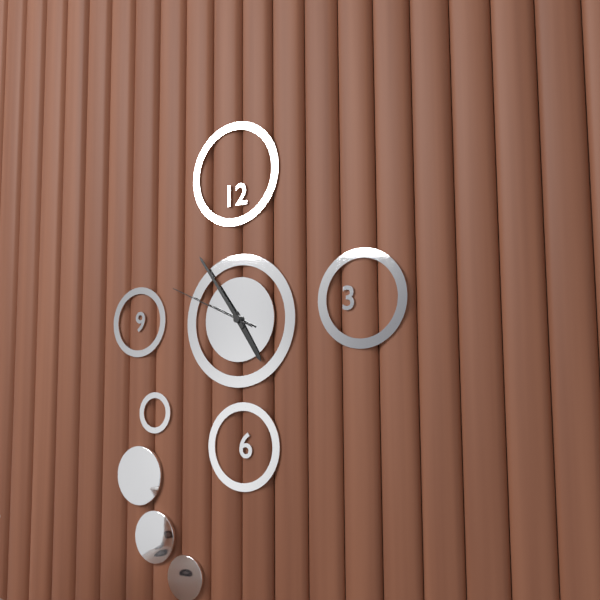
4.54.49
